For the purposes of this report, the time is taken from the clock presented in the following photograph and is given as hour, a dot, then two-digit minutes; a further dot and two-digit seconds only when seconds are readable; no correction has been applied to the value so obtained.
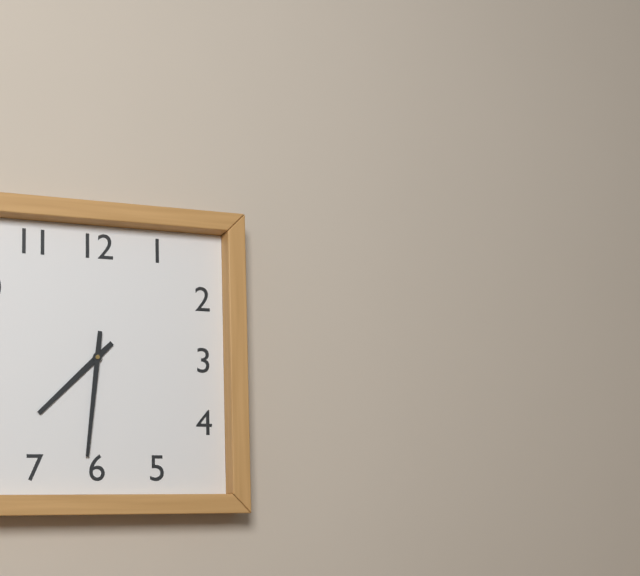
7.31
